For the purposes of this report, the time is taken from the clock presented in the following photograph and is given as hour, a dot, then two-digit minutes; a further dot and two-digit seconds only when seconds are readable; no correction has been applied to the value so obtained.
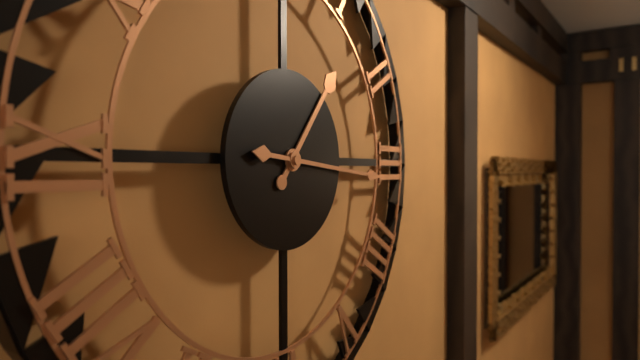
1.16
